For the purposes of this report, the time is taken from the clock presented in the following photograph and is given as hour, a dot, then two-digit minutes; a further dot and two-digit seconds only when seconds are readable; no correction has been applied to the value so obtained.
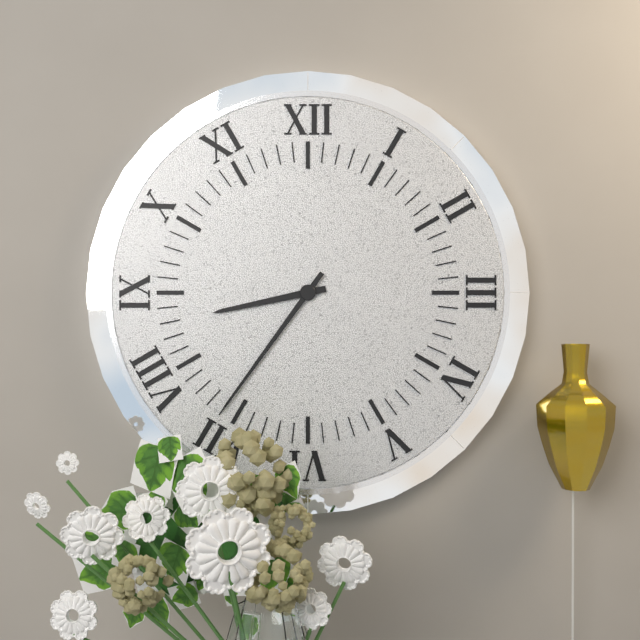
8.36
